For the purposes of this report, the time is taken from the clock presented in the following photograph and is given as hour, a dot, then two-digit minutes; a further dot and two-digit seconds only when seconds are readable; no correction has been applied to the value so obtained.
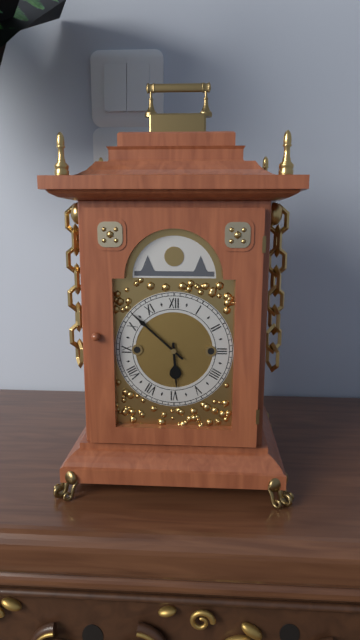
5.52
